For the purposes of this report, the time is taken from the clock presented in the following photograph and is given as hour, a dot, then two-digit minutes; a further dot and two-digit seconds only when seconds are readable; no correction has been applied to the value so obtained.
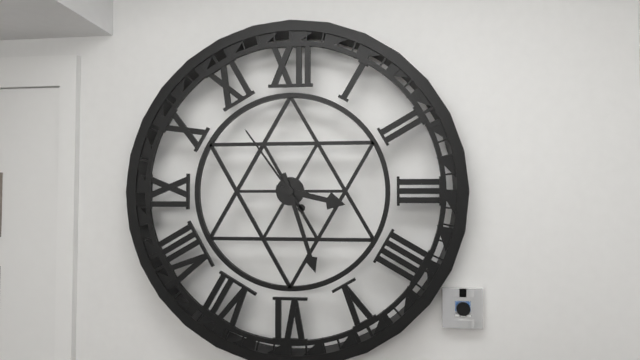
3.27.54
